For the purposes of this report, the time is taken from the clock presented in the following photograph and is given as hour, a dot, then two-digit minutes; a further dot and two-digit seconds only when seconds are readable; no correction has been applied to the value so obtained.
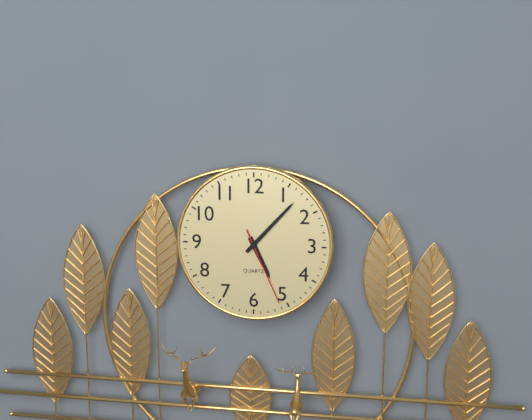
5.07.26
